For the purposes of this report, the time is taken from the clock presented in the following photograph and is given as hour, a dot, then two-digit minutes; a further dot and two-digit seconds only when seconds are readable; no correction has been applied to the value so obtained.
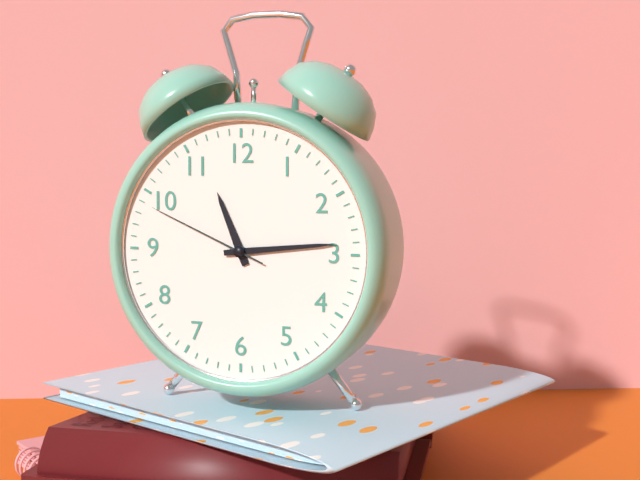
11.14.49
